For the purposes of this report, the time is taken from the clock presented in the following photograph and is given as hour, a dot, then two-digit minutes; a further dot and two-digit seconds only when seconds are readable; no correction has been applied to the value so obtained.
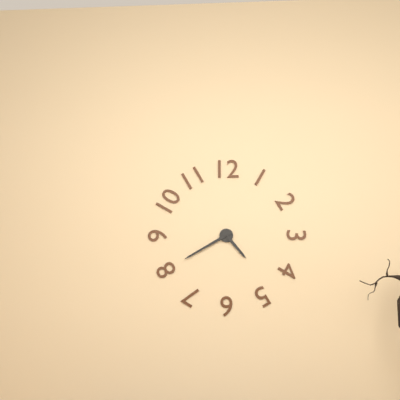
4.40
